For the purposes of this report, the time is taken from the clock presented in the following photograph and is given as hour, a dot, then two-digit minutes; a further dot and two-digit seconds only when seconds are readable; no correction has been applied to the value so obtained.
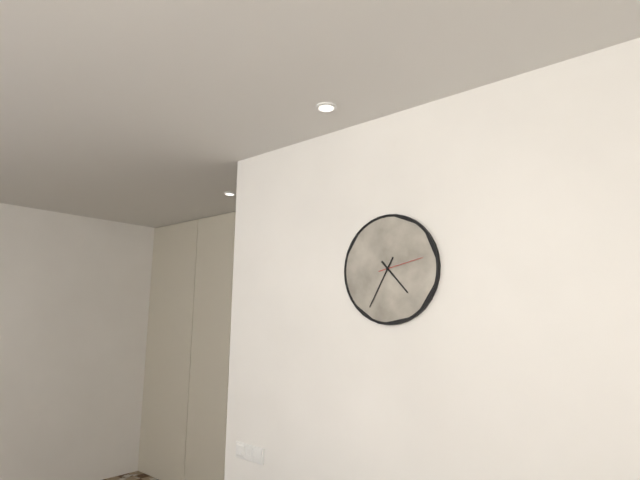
4.35
